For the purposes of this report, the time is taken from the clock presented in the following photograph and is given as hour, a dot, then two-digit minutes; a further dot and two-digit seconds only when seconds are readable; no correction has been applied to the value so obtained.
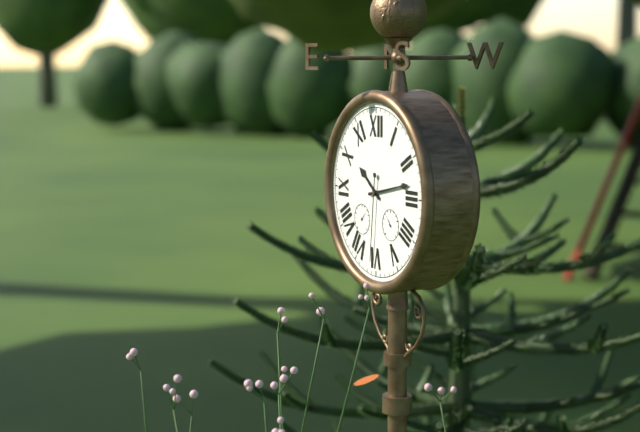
10.13.31
